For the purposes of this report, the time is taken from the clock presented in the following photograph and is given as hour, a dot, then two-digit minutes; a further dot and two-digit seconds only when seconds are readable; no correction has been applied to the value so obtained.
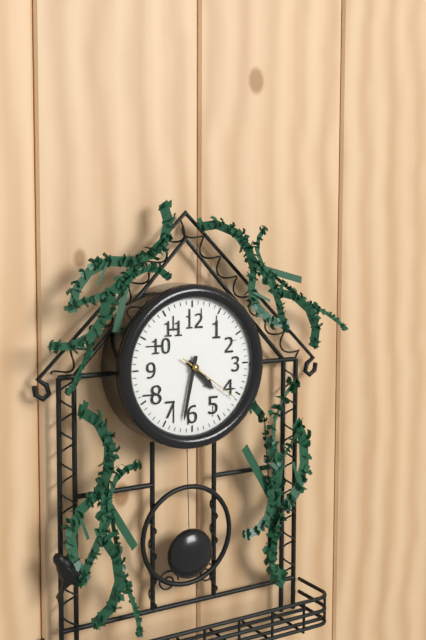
4.32.21
